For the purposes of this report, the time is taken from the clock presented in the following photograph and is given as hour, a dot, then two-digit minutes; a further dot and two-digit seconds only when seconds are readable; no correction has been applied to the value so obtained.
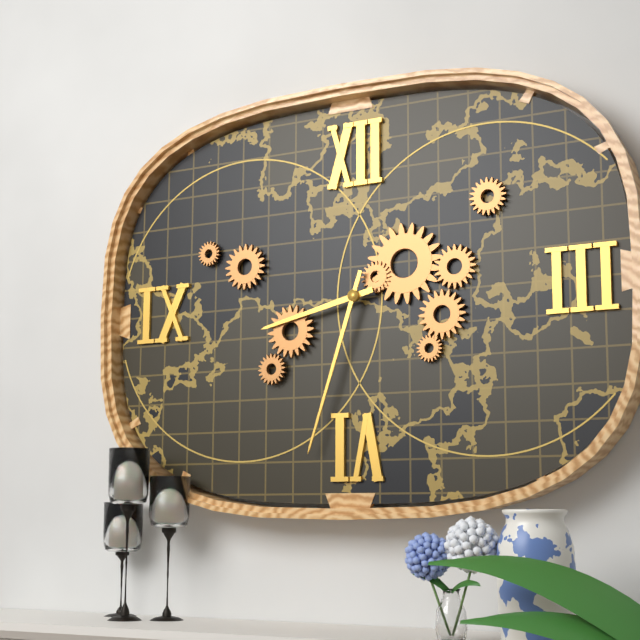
8.33
